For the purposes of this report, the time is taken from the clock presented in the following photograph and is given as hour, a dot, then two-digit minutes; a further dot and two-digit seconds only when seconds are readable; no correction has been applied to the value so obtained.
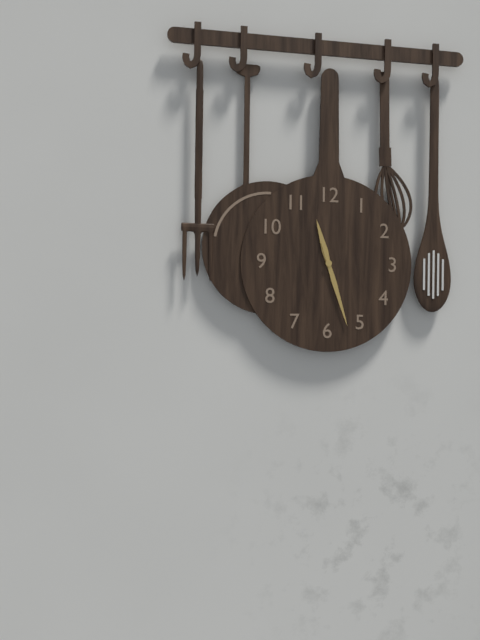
11.27
